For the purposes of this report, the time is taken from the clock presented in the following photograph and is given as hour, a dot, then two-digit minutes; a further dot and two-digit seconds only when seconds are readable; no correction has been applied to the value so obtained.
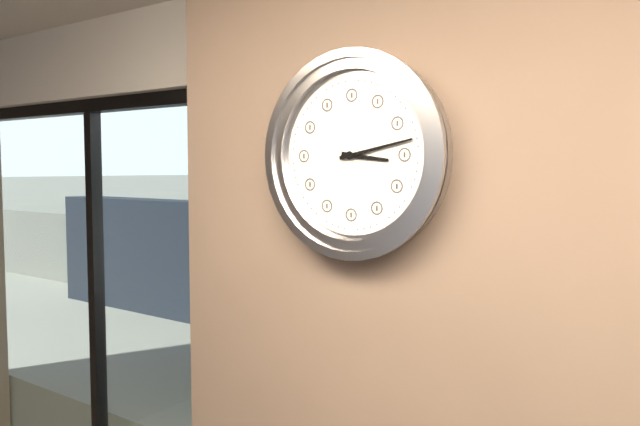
3.13
